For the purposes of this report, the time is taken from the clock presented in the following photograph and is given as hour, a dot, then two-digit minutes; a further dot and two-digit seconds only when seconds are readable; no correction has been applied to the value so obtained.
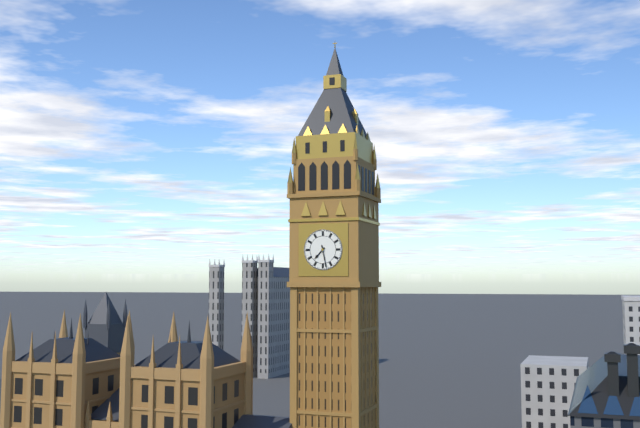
7.28
